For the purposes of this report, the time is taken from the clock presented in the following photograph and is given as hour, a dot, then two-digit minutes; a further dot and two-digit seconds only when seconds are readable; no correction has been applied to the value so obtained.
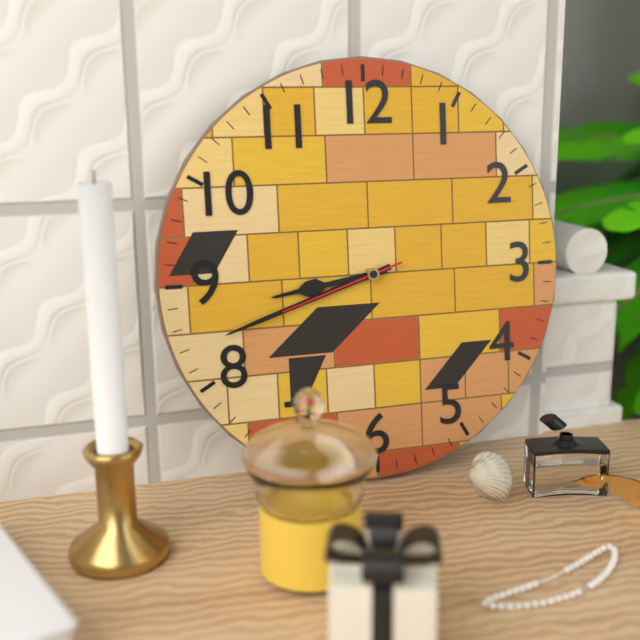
8.42.42
